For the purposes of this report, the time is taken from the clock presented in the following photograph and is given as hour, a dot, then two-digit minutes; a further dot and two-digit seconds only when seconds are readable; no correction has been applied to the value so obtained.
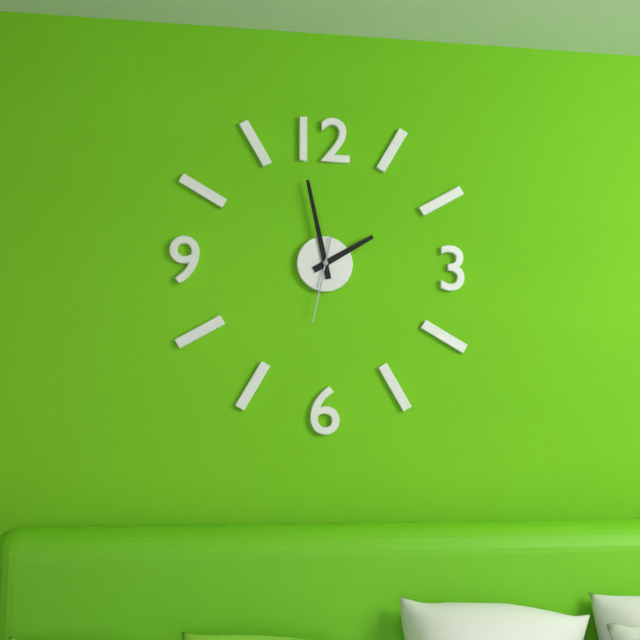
1.58.32
